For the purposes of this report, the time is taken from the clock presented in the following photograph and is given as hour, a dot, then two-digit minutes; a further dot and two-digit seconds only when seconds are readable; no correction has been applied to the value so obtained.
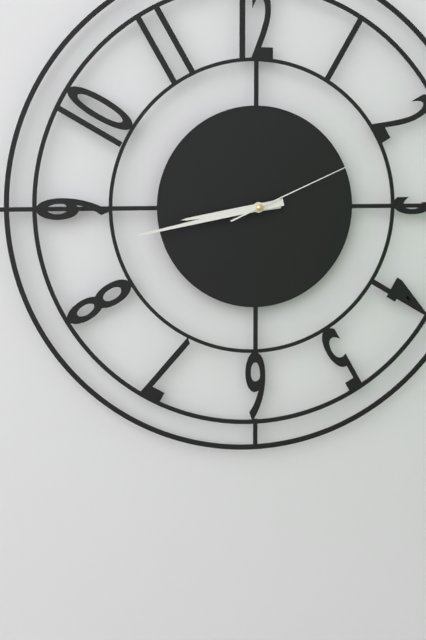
8.43.11
